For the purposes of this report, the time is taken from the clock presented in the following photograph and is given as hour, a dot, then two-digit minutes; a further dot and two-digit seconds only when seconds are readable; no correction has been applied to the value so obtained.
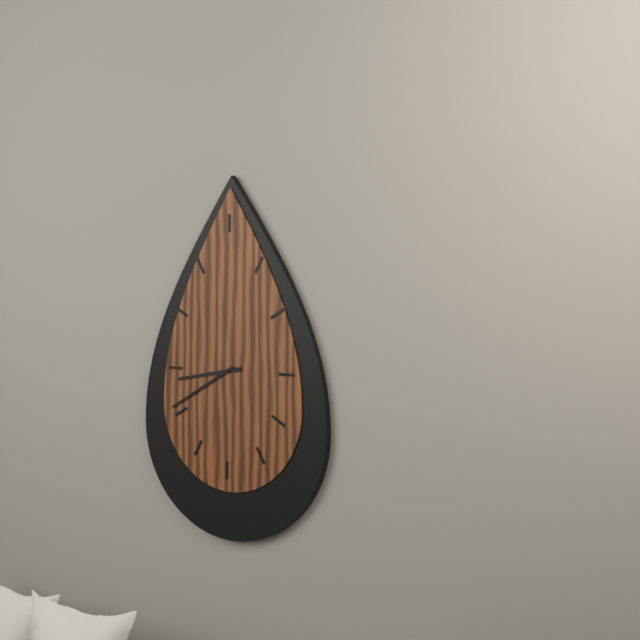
8.40
